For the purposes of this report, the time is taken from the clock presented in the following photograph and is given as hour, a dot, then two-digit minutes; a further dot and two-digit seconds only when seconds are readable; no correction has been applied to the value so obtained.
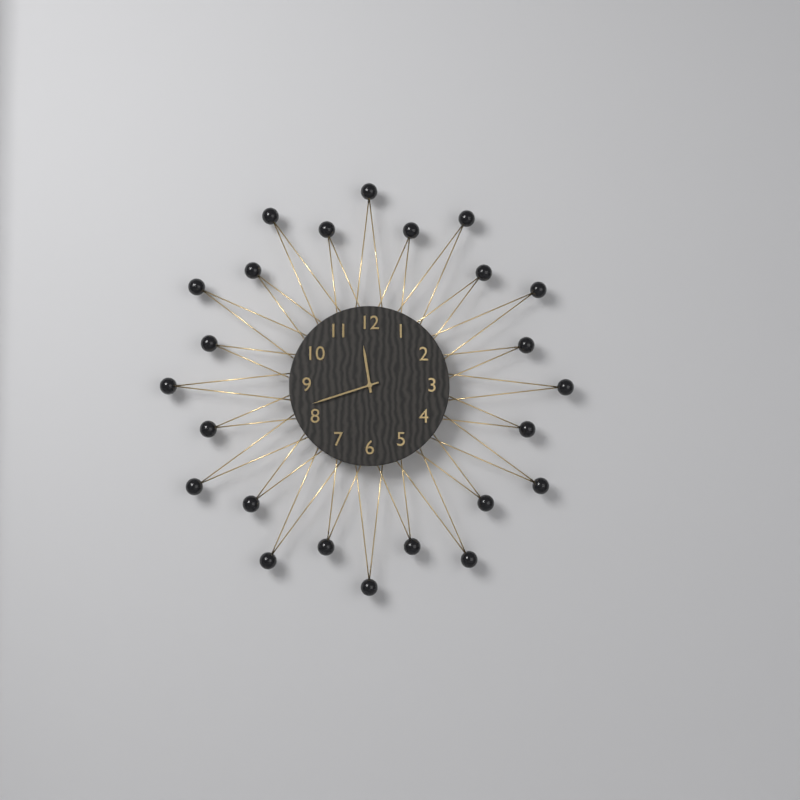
11.42
